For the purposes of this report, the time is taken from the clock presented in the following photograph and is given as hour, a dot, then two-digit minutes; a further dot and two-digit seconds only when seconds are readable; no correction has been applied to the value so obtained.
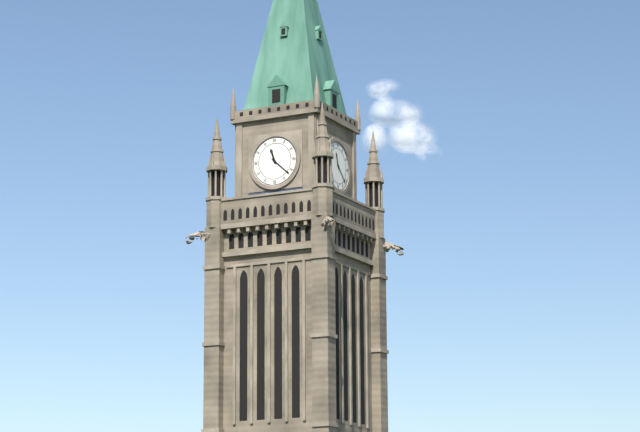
11.22
